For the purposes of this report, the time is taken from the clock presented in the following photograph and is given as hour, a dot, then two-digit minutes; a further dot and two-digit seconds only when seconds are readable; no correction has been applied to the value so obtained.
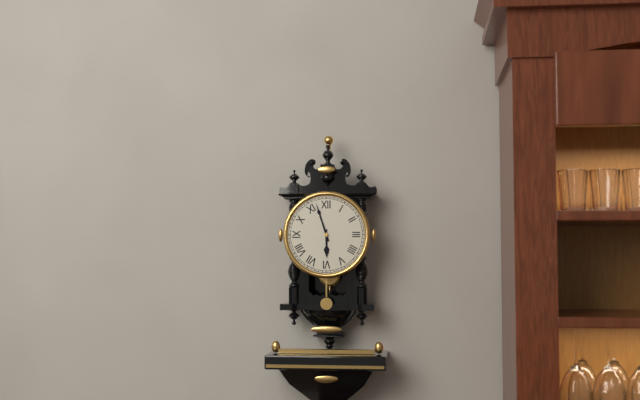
5.57
